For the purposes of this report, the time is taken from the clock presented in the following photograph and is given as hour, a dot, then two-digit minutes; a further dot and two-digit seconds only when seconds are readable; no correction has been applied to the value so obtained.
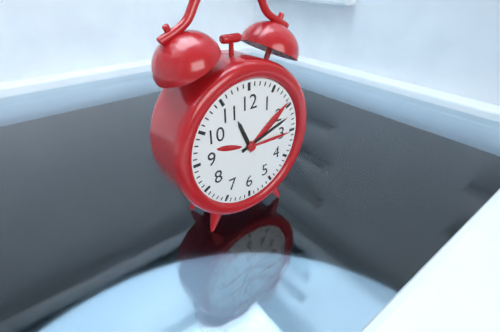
11.12
